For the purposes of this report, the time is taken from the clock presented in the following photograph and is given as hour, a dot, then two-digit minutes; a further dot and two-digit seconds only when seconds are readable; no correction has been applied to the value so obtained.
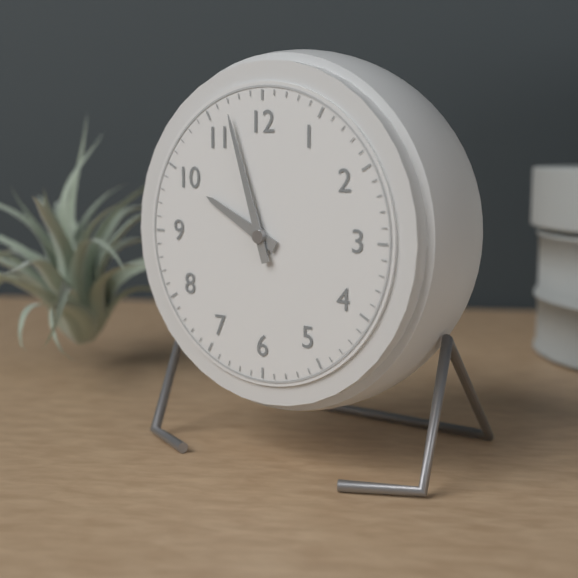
9.57
